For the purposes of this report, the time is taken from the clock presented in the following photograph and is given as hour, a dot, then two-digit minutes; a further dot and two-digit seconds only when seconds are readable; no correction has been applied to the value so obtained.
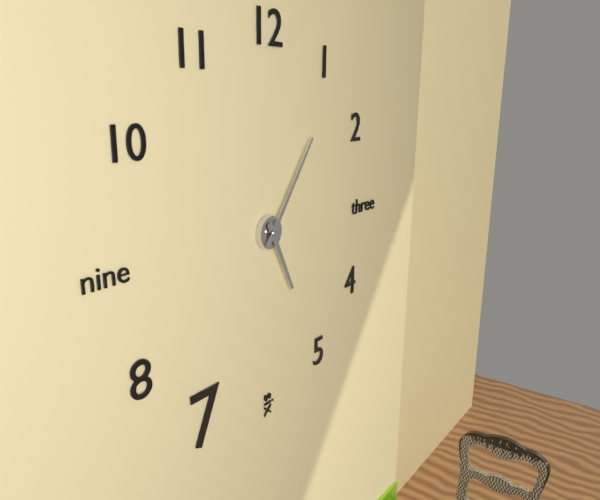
5.06
